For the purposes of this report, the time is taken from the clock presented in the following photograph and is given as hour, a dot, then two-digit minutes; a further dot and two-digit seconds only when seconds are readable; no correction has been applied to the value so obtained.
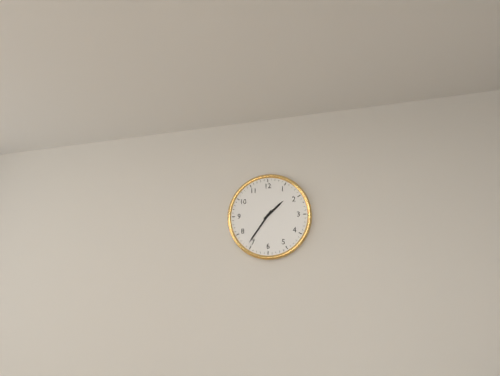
1.36
